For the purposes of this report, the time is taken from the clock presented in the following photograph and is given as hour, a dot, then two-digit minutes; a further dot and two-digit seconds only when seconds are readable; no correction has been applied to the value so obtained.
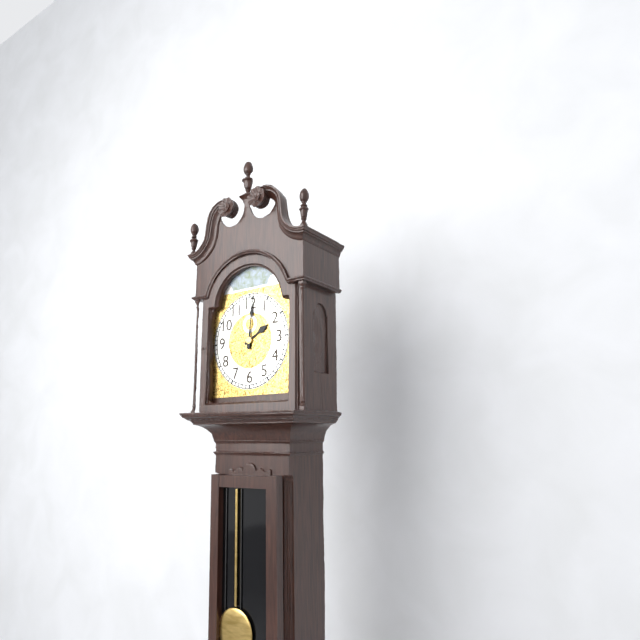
2.01
